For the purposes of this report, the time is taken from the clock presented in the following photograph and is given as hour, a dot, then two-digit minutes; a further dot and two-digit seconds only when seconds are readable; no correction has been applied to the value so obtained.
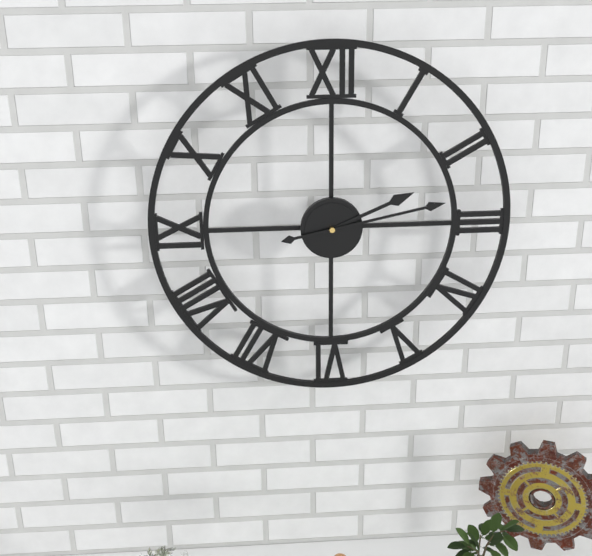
2.13
